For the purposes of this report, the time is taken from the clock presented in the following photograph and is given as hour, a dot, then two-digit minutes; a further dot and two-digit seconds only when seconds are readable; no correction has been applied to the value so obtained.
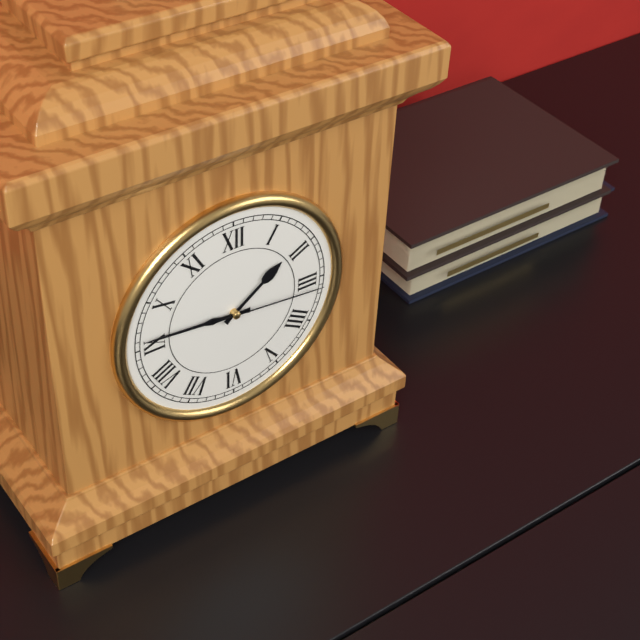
1.46.16
